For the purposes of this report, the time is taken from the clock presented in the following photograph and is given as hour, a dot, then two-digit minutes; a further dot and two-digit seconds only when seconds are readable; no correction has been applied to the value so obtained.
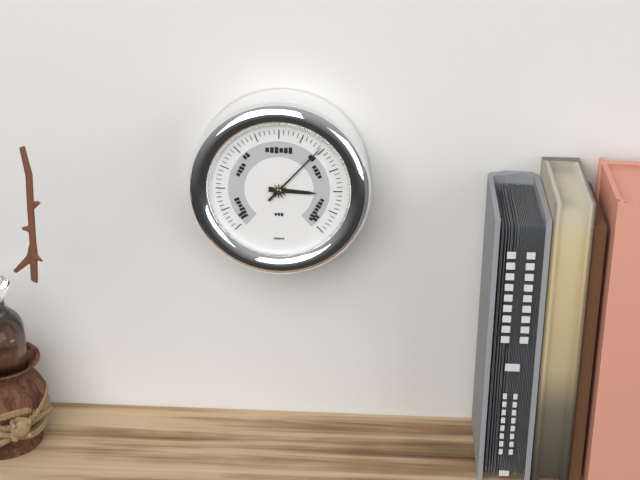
3.07
